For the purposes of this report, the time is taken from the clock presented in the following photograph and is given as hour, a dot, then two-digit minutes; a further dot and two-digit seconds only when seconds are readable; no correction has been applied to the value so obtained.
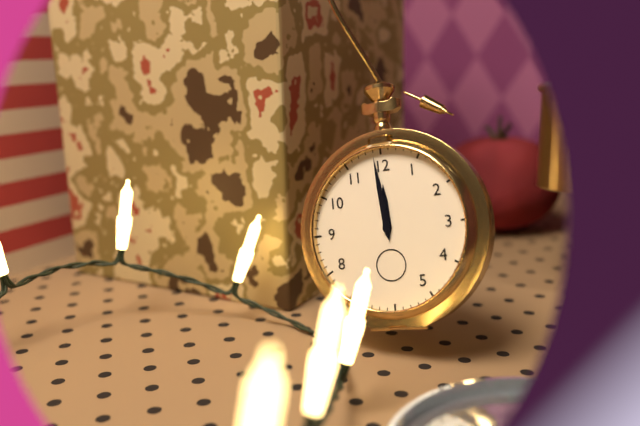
11.59
